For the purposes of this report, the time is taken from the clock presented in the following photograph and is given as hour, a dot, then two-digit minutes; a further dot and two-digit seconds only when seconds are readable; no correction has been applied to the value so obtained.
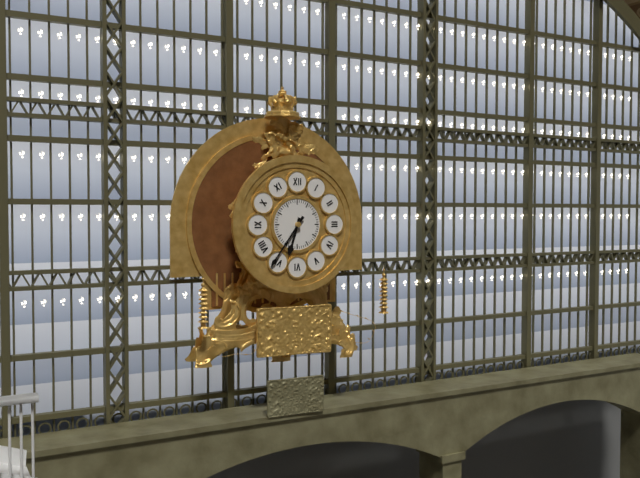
6.36
